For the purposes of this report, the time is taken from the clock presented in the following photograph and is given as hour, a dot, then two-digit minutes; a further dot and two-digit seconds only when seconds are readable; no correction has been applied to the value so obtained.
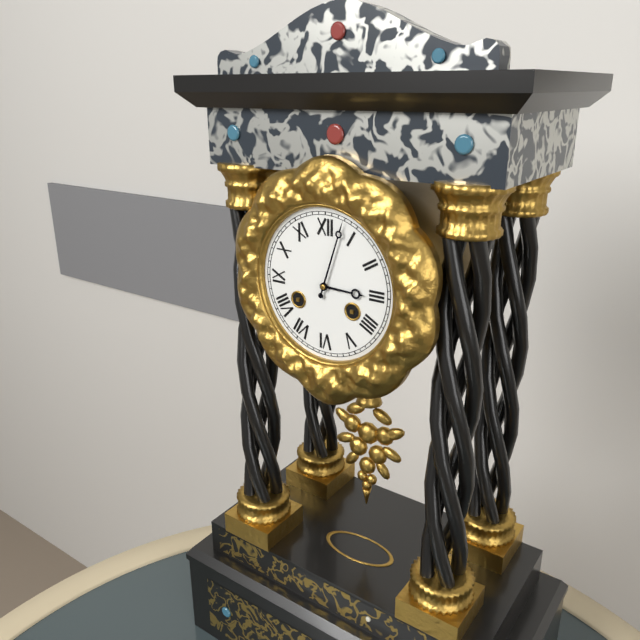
3.03
